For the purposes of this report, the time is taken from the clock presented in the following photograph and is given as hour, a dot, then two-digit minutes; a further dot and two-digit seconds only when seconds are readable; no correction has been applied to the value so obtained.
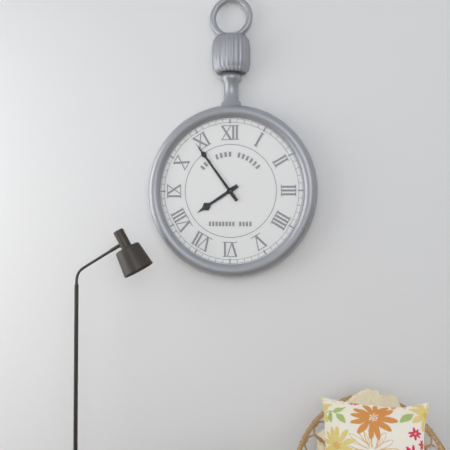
7.54
